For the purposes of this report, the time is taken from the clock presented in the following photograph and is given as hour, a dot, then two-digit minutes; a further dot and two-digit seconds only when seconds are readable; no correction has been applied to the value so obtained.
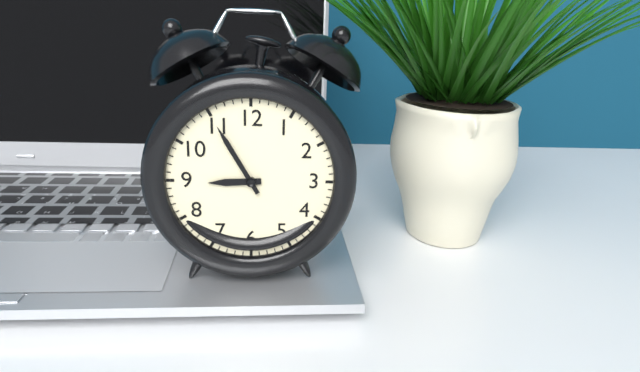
8.55
